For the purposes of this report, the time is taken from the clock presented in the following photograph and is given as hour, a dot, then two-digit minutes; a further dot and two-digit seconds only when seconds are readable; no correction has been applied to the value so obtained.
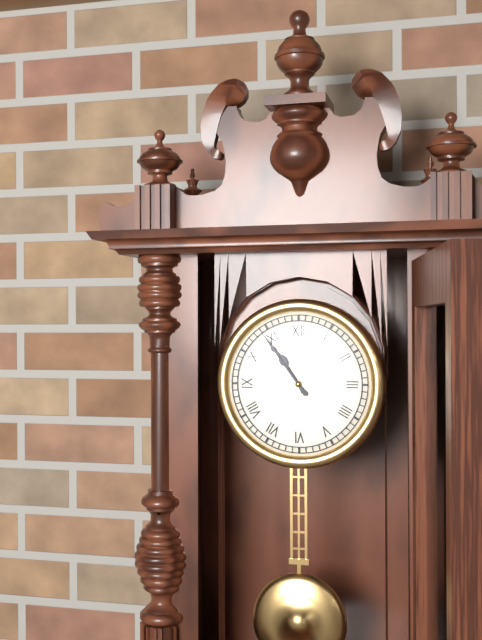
10.54
